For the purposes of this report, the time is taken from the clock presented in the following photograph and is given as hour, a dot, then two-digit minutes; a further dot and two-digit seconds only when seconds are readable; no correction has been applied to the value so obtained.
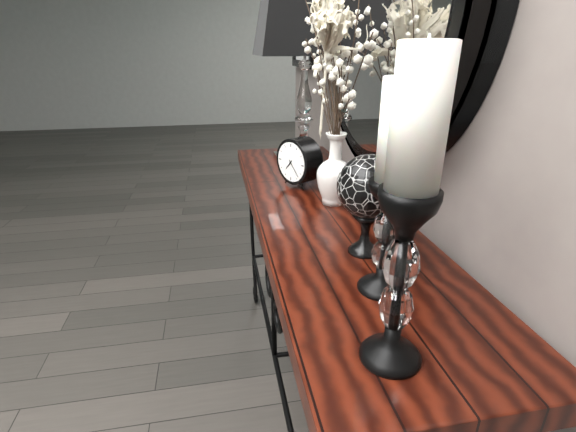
7.23
